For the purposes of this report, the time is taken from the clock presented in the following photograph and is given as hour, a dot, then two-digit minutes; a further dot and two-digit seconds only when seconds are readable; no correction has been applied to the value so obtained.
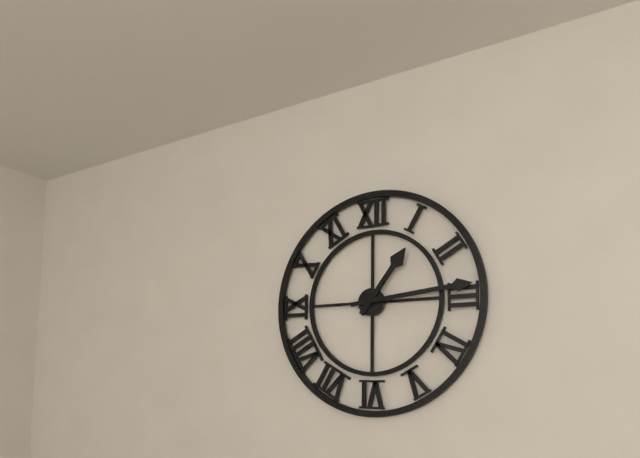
1.14
